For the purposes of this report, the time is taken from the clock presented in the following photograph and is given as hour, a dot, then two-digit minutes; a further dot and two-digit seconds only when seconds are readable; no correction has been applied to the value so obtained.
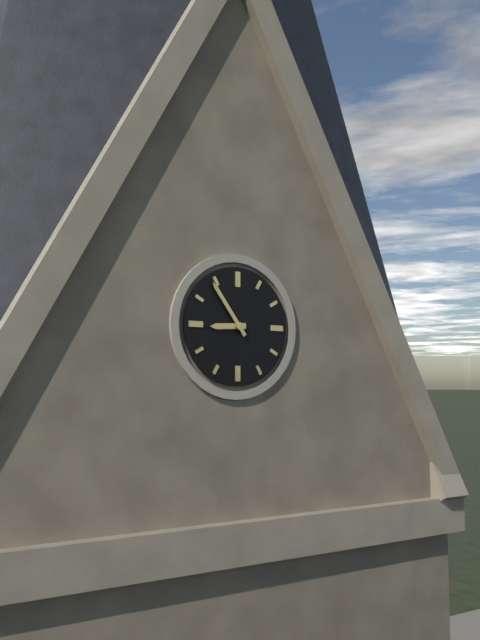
8.54
